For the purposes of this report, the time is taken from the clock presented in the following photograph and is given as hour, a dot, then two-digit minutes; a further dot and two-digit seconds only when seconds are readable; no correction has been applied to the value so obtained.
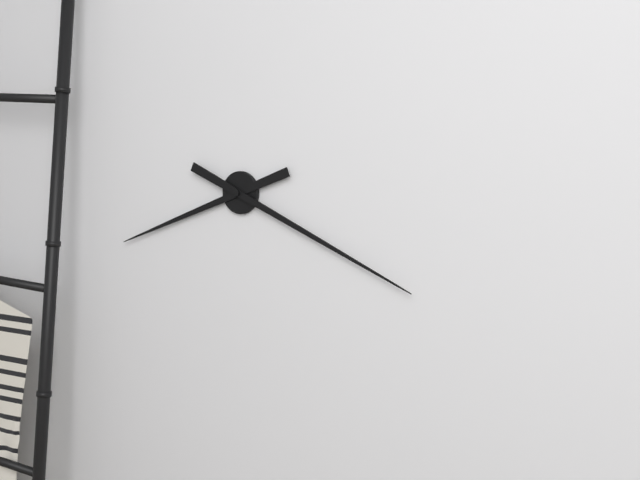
8.19
